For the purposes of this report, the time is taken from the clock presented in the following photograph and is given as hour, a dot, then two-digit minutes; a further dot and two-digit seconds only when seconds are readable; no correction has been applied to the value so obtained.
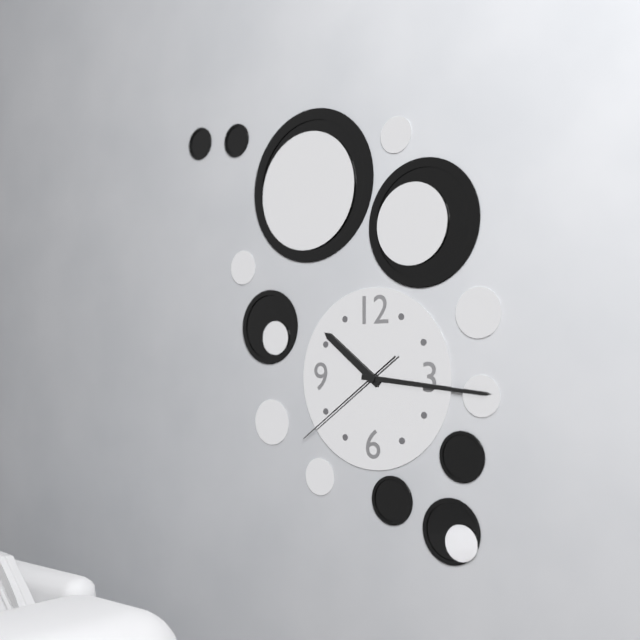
10.16.39
